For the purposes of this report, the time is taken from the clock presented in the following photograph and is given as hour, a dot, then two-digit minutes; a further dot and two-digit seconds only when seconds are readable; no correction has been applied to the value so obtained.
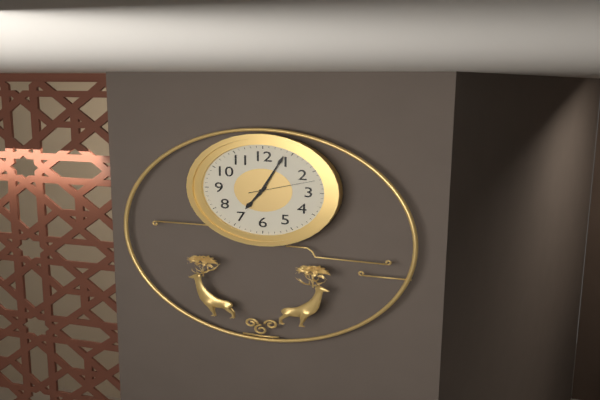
7.04.12
